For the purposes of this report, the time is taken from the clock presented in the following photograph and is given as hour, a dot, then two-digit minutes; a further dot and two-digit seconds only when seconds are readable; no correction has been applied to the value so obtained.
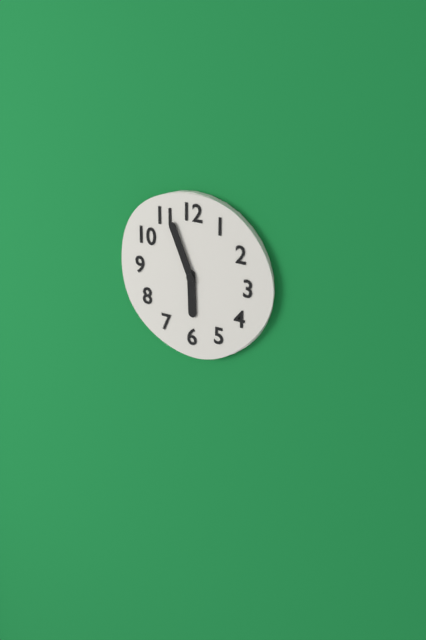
5.56
